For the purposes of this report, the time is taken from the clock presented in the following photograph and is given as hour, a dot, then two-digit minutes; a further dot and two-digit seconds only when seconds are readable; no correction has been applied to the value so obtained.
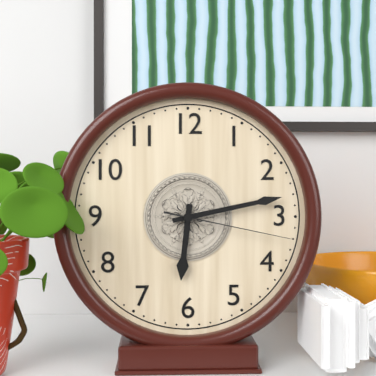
6.13.17
